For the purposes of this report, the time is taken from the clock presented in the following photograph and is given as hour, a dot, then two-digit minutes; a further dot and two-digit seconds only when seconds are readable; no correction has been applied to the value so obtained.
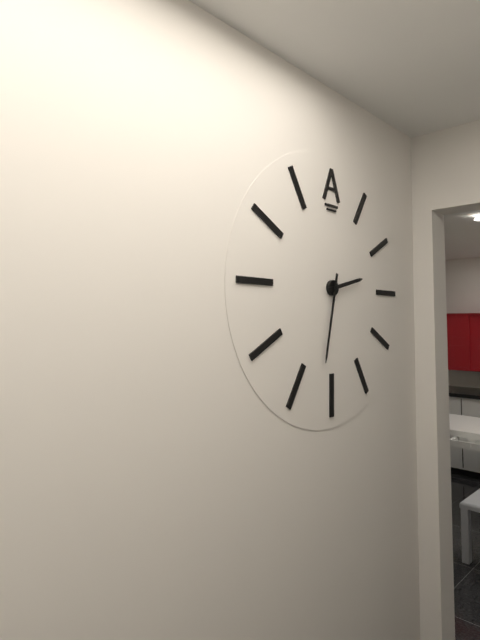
2.32
